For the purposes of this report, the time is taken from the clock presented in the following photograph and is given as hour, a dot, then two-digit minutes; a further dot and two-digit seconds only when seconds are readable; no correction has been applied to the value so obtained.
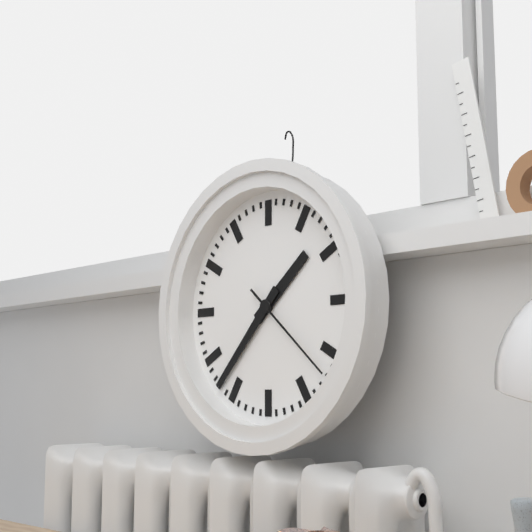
1.37.22
